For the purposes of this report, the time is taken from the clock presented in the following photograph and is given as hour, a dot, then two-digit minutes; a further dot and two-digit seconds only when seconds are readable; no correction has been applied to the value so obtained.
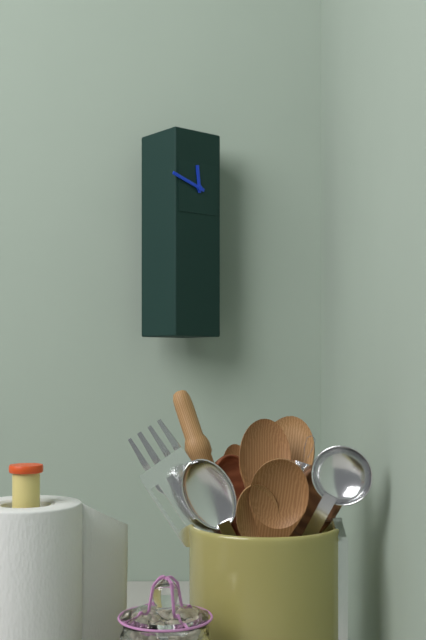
11.48
